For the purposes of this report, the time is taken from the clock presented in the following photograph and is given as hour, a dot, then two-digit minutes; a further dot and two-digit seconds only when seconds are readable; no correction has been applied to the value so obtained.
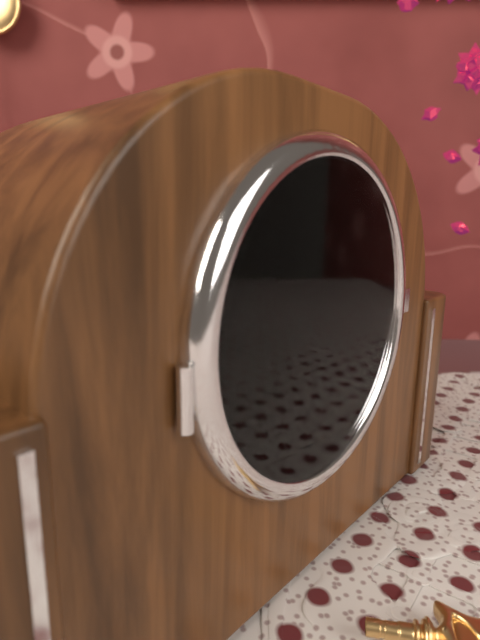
10.05
